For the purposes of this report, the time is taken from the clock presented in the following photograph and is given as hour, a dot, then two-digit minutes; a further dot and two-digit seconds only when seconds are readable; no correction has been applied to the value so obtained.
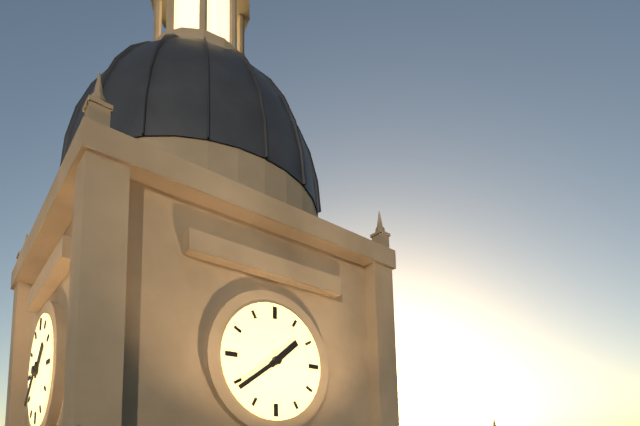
1.39
